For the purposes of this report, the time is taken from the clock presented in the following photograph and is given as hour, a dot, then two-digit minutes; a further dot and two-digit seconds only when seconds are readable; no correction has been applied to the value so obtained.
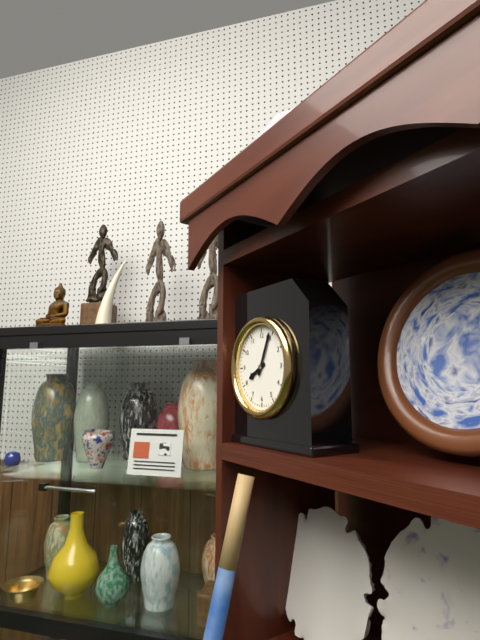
8.04
